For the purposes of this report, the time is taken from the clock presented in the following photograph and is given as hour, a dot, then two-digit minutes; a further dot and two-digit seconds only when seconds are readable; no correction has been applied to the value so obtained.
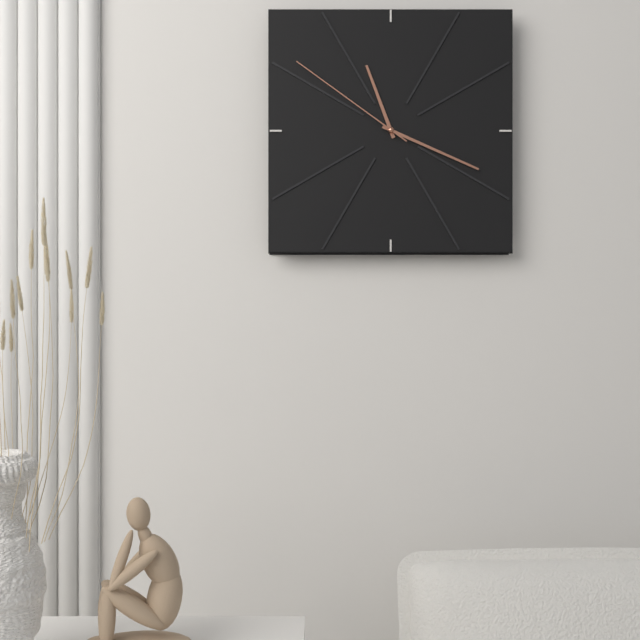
11.19.51
